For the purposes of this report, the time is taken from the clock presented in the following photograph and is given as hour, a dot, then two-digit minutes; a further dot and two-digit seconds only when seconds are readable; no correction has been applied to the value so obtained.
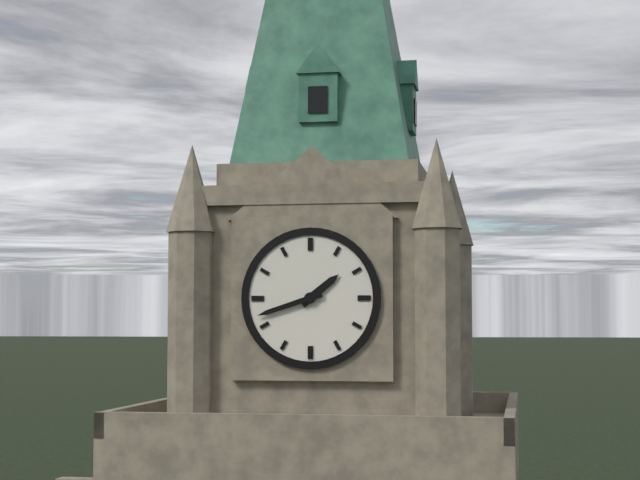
1.42
